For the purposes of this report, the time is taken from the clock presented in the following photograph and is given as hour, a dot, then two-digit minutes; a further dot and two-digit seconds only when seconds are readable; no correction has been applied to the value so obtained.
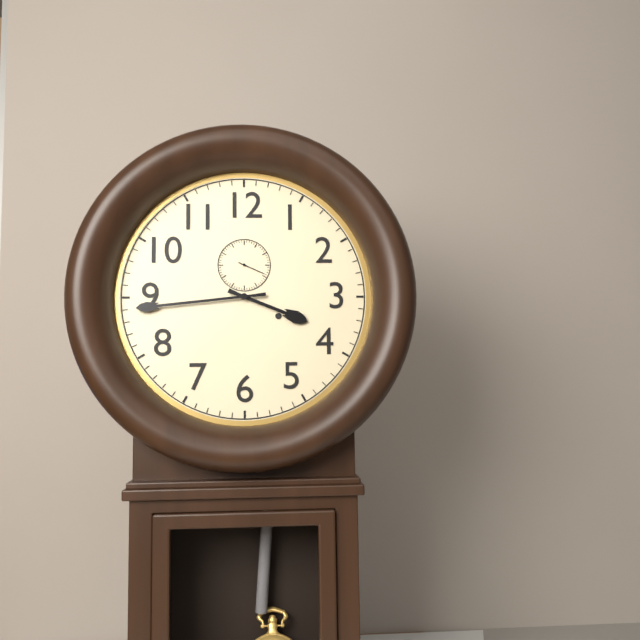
3.44
